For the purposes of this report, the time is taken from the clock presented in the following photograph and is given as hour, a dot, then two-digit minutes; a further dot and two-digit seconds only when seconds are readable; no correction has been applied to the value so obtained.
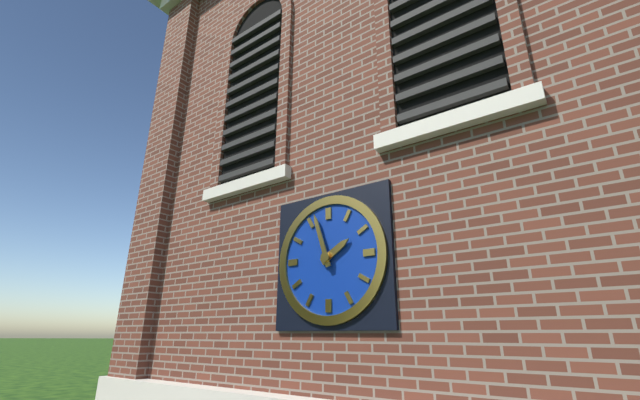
1.57
